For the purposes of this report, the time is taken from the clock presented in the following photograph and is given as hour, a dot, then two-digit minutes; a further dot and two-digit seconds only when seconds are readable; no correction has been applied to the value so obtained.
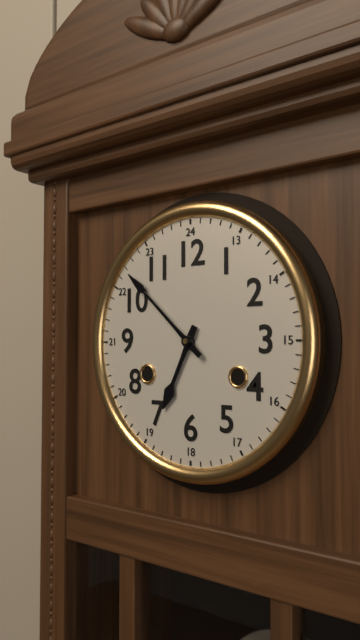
6.52
